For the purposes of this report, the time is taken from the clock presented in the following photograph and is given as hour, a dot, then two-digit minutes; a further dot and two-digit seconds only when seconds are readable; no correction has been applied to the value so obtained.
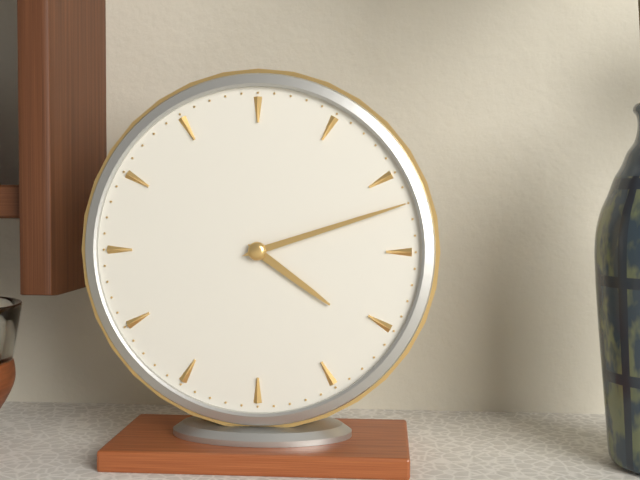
4.12
